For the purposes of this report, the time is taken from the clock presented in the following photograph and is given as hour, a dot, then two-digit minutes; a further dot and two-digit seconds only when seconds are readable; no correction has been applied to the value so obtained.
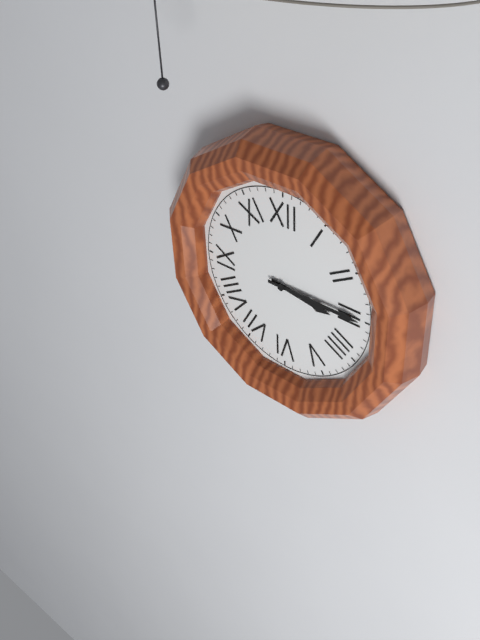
3.15
